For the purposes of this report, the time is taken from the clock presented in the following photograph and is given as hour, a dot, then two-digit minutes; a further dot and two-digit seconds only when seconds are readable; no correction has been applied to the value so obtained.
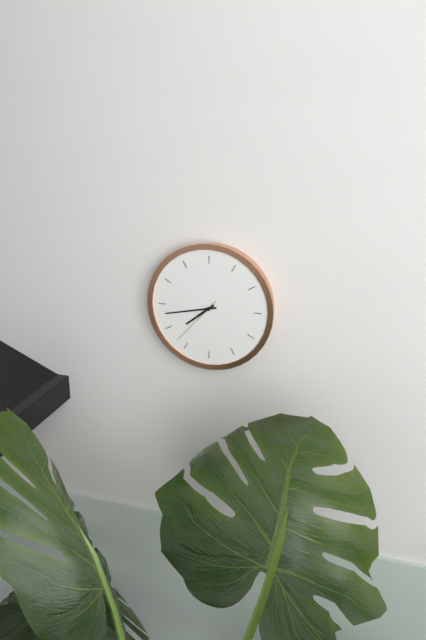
7.43.37
